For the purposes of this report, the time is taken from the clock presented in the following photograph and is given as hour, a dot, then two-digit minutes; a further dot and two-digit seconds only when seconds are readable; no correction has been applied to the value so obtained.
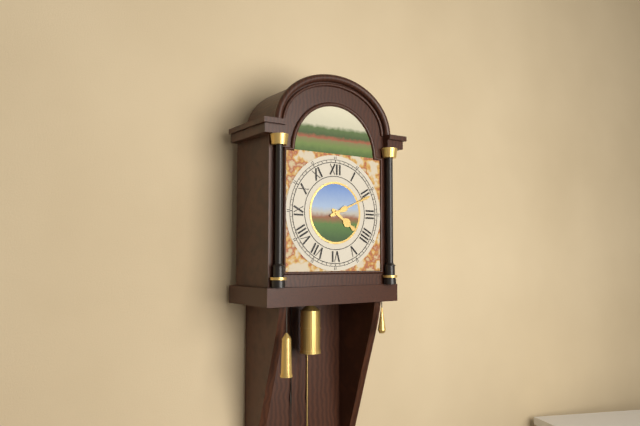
4.11
